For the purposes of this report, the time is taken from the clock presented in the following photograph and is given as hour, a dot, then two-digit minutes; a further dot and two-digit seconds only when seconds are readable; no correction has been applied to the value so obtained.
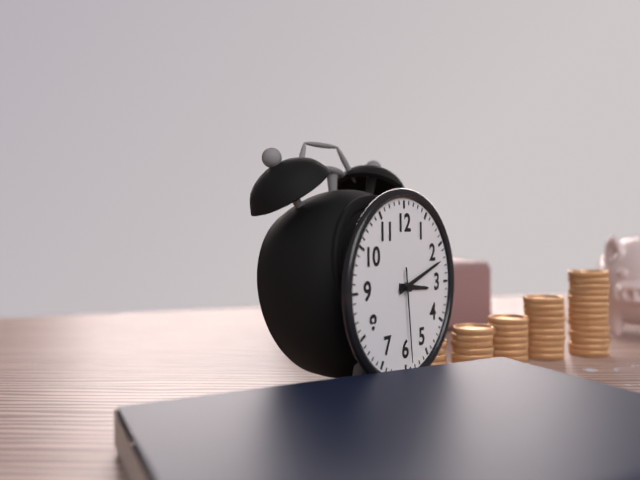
3.12.29
